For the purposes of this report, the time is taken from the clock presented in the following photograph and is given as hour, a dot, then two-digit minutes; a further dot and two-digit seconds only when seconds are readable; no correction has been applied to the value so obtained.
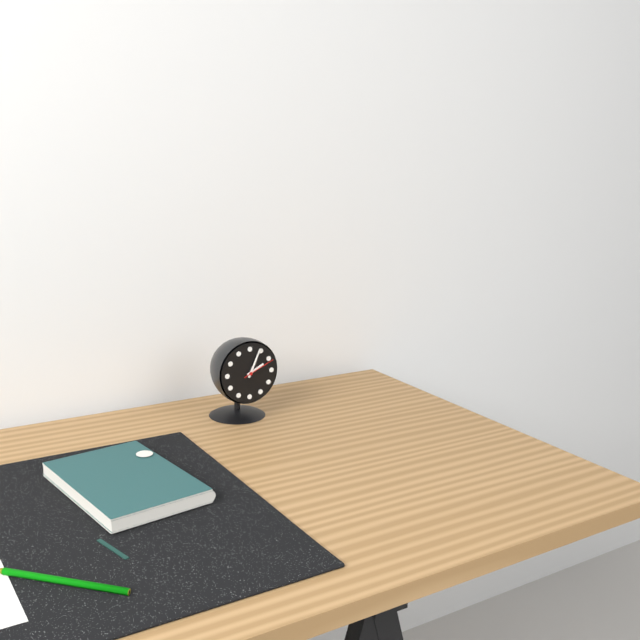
2.04
